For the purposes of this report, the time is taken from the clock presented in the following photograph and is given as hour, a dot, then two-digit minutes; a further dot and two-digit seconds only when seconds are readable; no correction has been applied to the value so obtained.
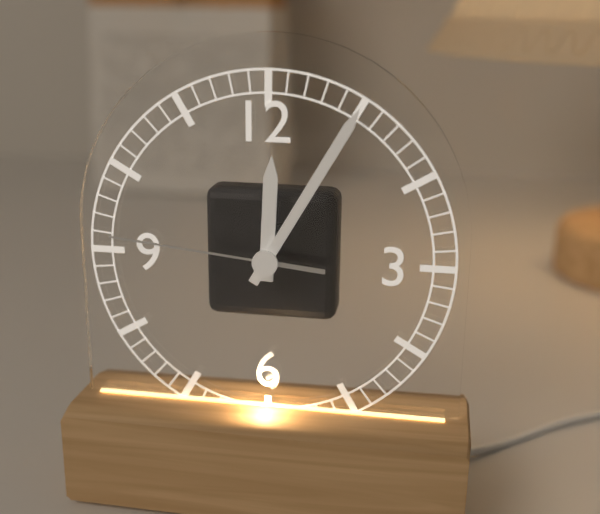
12.05.46
